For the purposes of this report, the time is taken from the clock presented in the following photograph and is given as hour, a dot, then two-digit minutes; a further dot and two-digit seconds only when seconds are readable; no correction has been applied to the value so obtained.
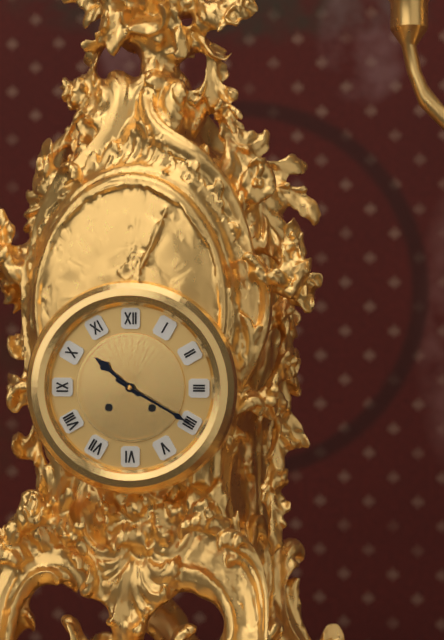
10.20
